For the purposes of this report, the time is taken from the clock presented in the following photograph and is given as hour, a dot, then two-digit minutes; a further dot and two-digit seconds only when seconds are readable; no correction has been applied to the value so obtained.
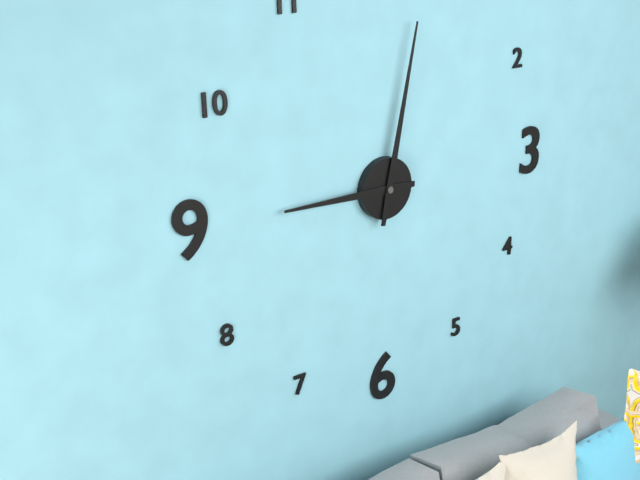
9.02
